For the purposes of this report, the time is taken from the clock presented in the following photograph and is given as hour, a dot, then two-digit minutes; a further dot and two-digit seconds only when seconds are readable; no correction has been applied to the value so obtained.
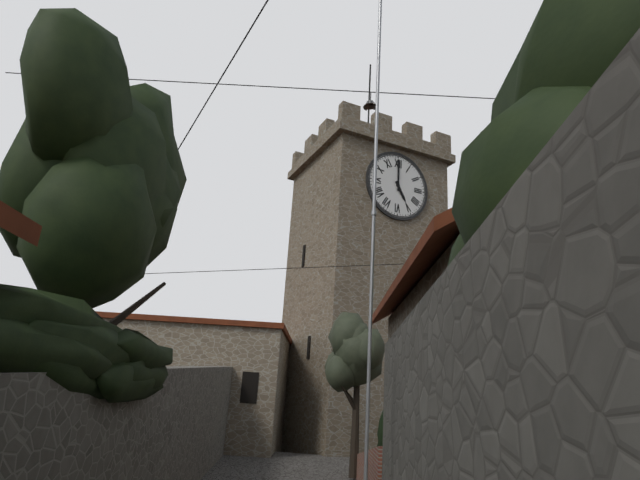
5.00
